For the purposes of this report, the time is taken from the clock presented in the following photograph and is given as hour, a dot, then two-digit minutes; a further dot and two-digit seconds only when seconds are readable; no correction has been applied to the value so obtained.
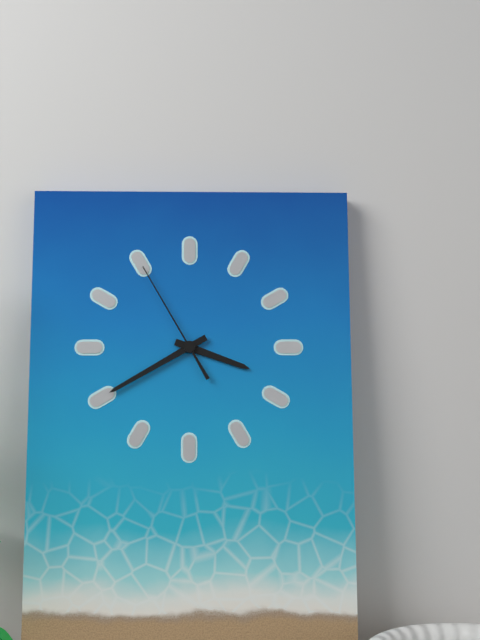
3.40.55
